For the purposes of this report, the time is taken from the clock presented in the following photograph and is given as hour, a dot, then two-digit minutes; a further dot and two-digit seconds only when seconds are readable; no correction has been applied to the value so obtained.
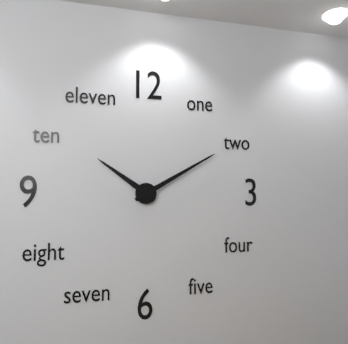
10.10
